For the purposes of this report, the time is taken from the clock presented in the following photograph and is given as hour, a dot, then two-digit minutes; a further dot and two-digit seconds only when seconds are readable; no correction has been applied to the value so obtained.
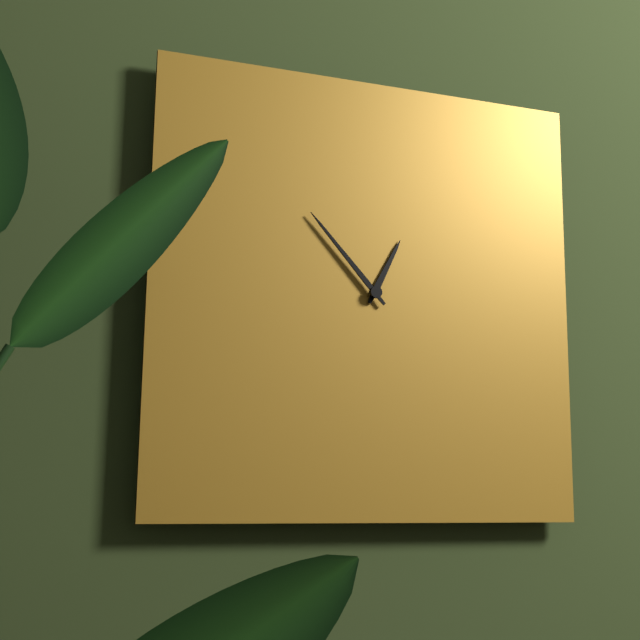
12.53
